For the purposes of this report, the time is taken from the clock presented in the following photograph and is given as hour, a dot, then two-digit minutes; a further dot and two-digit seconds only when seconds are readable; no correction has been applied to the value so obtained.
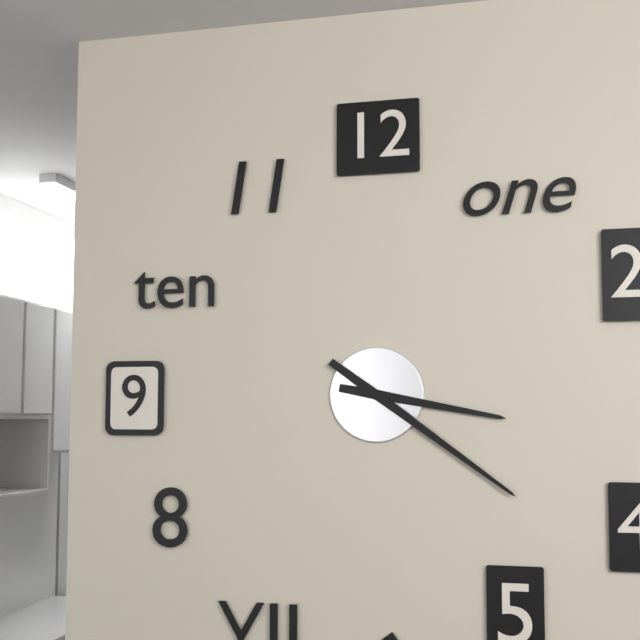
3.21
